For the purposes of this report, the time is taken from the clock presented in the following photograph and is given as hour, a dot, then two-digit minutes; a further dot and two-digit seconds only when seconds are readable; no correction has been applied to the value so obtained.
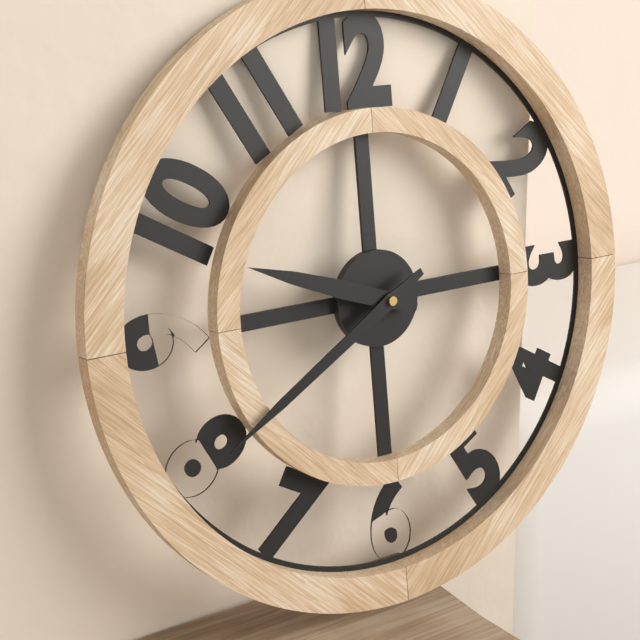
9.40
